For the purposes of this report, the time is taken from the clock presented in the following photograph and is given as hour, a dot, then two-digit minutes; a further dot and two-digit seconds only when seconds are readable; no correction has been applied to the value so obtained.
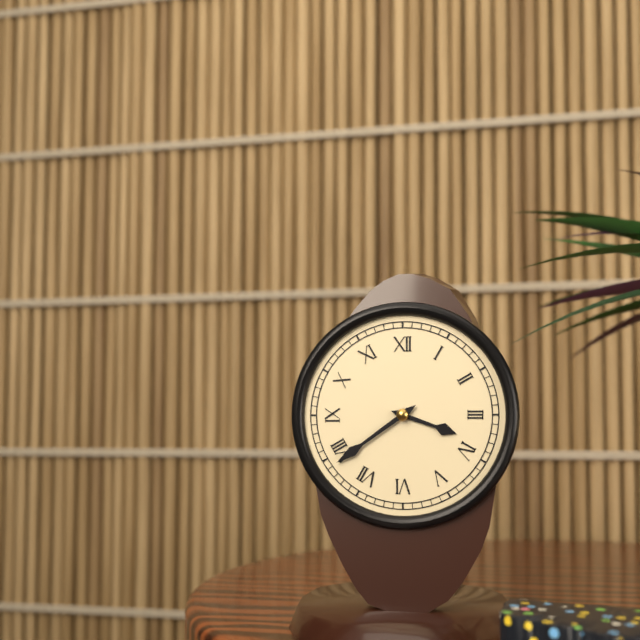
3.39
